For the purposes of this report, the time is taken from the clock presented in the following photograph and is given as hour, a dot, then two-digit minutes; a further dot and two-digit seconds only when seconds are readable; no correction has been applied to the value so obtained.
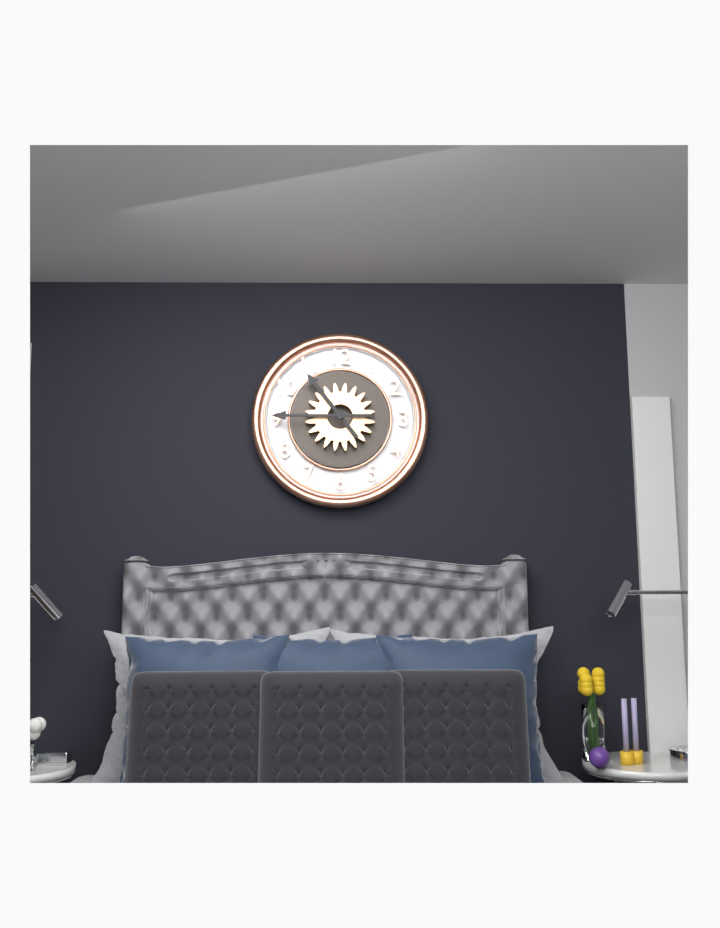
10.45
